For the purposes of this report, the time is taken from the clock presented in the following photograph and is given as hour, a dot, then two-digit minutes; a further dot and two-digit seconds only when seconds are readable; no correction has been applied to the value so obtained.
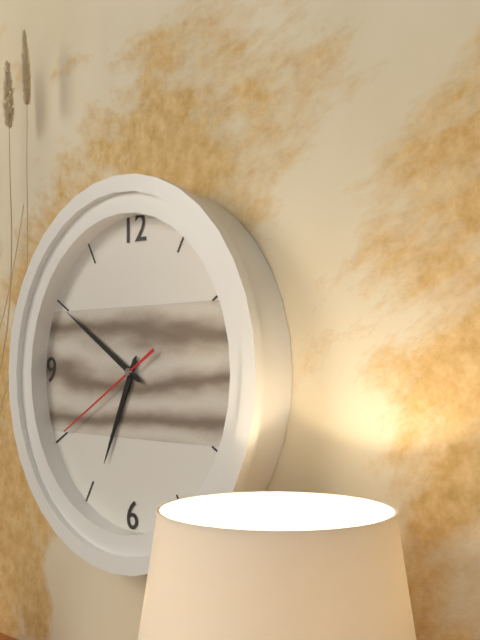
6.50.40
